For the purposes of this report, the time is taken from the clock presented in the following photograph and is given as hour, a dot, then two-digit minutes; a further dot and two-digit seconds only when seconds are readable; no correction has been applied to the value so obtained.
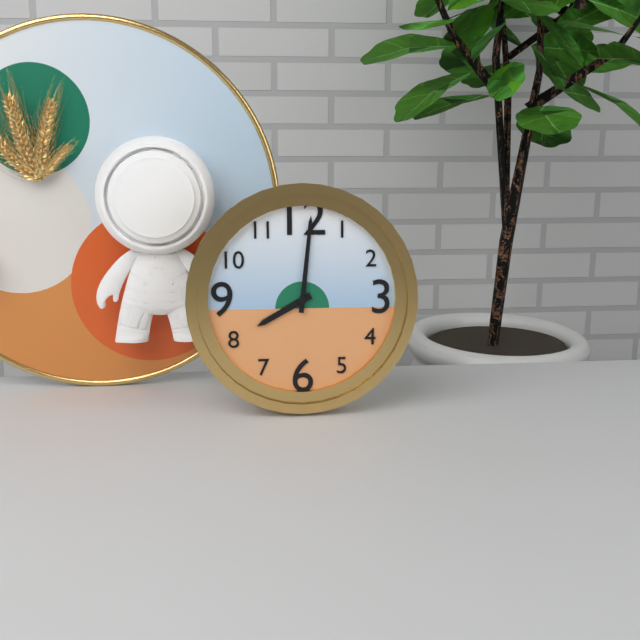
8.01
